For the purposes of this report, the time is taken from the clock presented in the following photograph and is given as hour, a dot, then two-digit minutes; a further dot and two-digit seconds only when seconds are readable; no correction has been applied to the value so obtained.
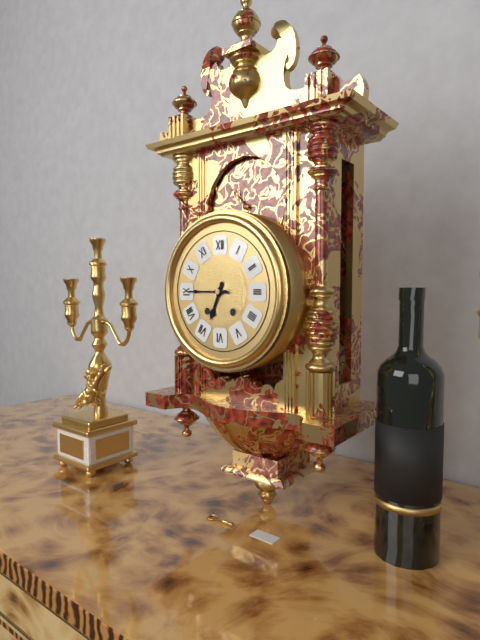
6.45
